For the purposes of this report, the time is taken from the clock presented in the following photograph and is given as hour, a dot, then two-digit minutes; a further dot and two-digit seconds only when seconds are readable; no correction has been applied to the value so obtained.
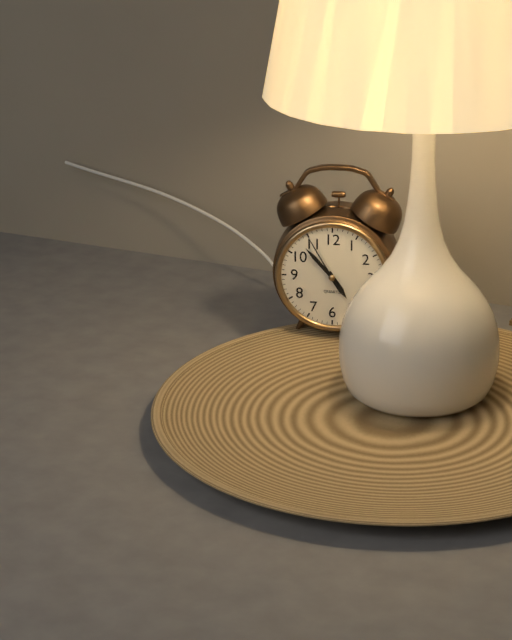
4.53.55
